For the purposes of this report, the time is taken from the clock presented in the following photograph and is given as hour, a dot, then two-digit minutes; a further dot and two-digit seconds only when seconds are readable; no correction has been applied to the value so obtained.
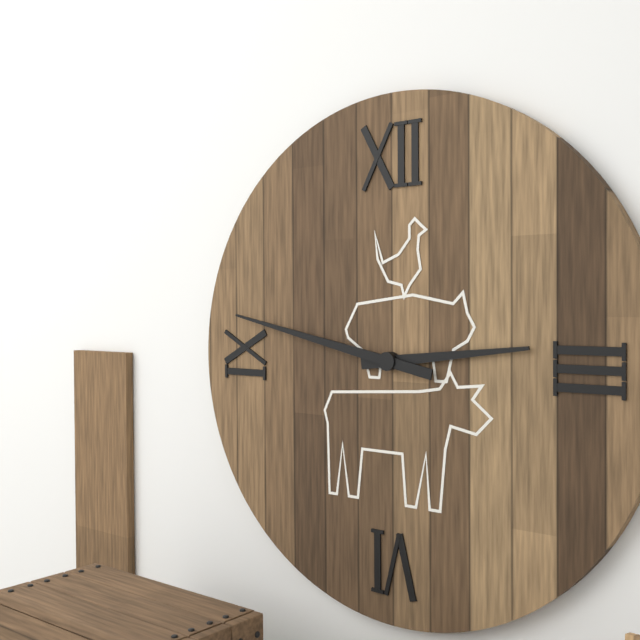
2.47
